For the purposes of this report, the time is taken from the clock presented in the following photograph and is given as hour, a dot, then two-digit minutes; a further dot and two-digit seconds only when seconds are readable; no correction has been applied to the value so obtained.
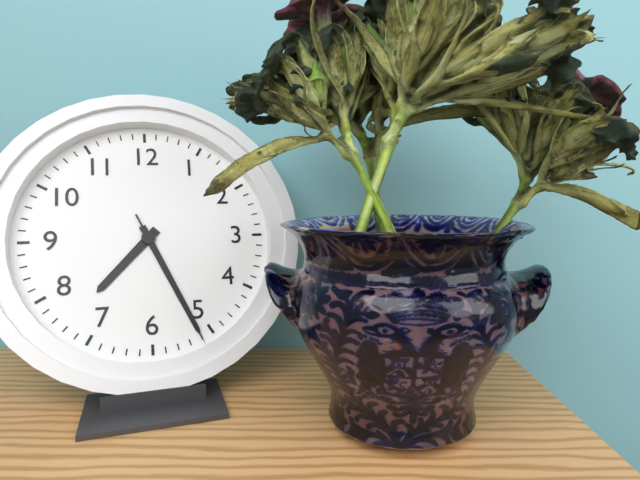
7.26.26
